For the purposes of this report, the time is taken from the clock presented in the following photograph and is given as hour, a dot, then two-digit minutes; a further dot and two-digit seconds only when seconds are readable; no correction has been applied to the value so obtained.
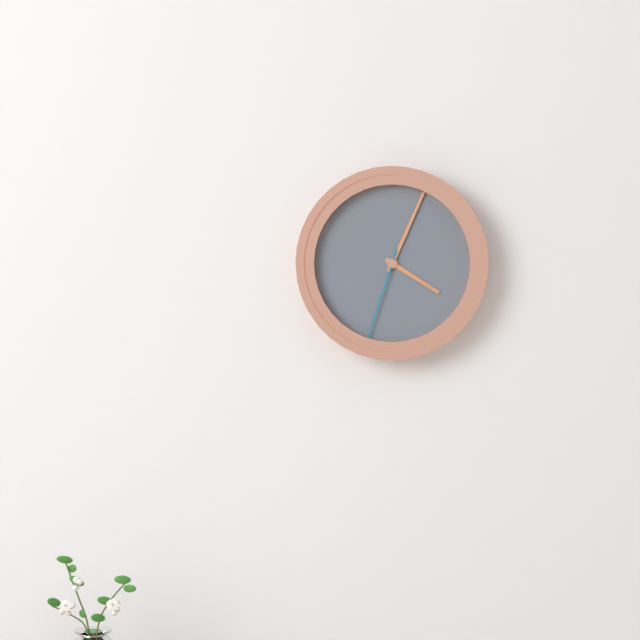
4.04.33
